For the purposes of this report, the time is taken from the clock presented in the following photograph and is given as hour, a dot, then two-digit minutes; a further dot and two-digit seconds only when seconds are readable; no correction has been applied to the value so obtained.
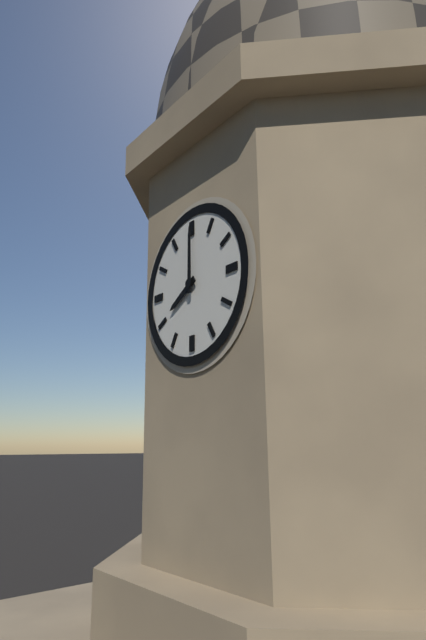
8.00
